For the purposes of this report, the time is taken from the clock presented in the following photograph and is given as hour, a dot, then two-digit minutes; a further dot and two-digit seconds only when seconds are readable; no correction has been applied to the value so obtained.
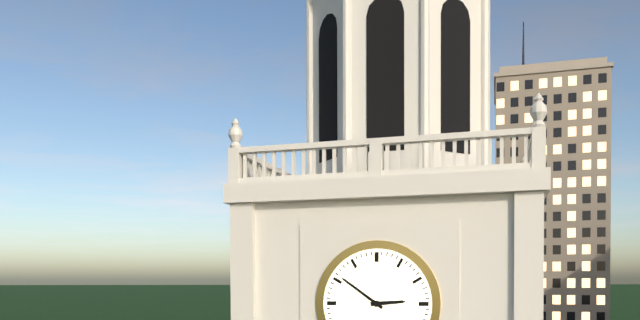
2.51
